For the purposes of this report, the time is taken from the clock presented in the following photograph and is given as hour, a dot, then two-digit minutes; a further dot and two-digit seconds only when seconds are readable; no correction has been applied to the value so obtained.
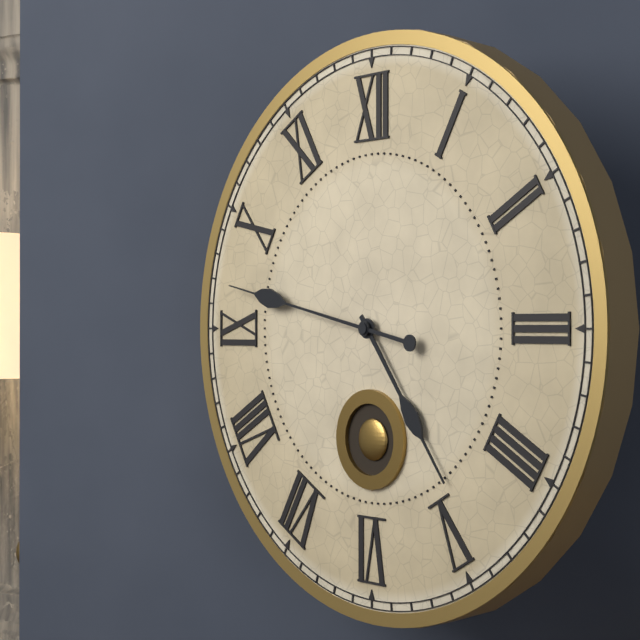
4.47
